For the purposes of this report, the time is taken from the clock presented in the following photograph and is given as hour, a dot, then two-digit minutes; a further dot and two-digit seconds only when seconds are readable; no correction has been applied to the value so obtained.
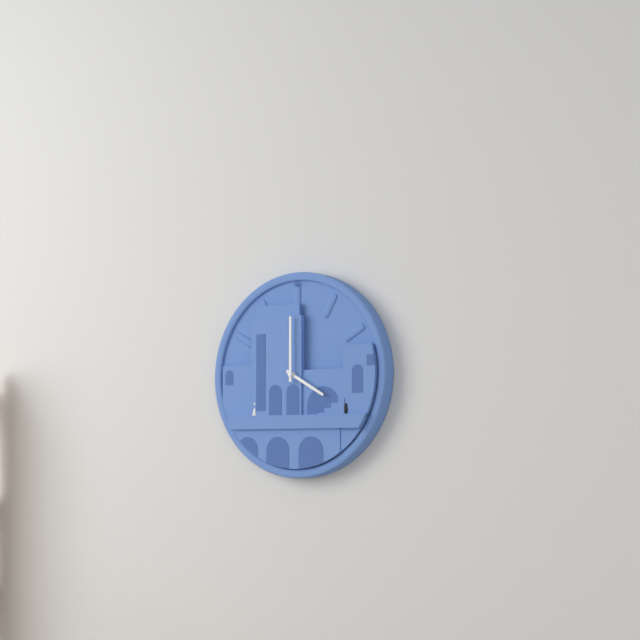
4.00
